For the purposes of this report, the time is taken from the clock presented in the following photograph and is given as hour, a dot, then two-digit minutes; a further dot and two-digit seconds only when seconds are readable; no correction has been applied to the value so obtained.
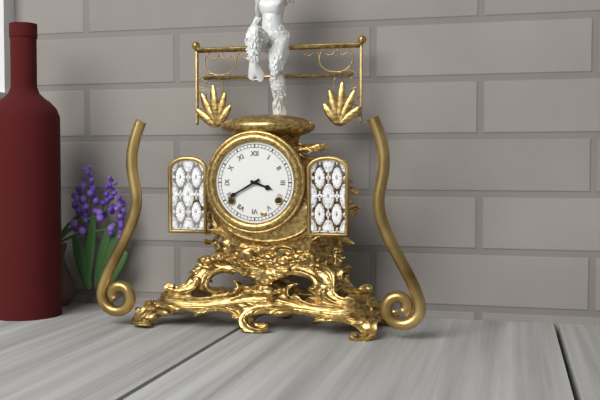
3.40
